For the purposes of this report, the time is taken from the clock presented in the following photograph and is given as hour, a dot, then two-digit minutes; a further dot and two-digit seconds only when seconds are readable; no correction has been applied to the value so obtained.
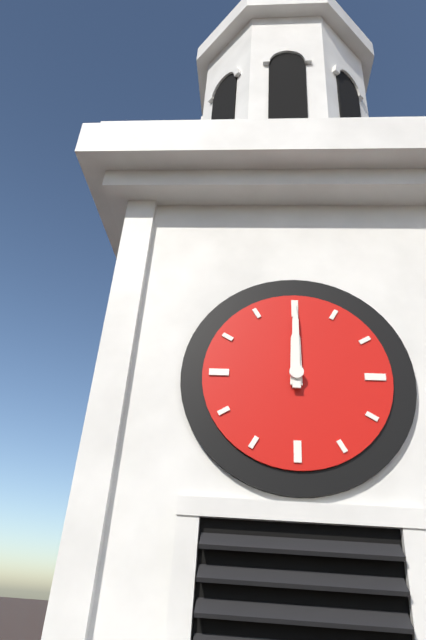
12.00
